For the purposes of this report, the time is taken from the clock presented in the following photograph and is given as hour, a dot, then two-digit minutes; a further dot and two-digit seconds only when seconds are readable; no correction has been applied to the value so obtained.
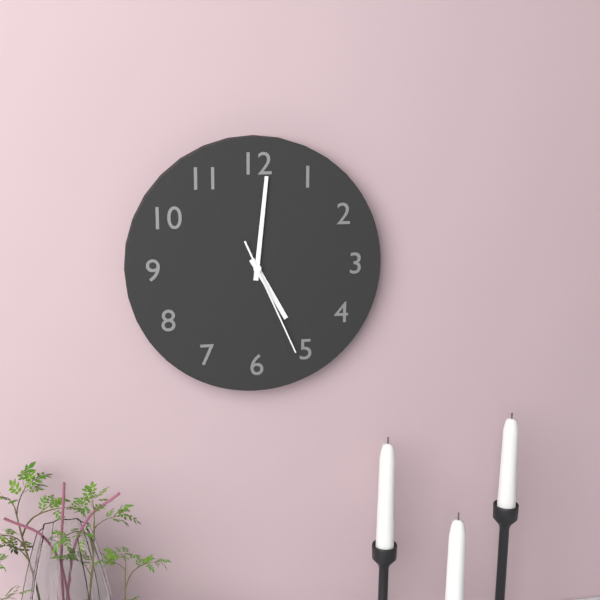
5.01.26
